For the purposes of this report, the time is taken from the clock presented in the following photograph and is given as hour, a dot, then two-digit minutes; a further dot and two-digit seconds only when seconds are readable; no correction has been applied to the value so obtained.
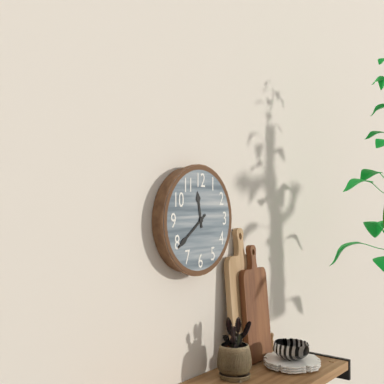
11.39
